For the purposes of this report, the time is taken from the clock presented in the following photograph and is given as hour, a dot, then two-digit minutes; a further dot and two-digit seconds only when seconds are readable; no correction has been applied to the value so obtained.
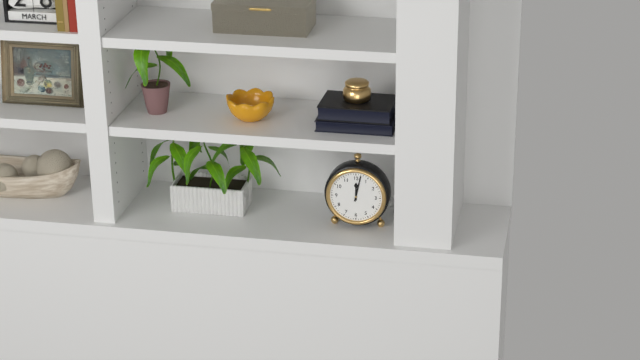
12.02
